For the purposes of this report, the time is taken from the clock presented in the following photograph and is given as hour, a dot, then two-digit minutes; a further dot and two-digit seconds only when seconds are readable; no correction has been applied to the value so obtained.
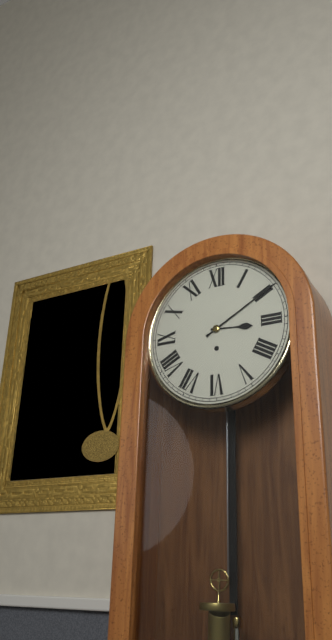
3.10
